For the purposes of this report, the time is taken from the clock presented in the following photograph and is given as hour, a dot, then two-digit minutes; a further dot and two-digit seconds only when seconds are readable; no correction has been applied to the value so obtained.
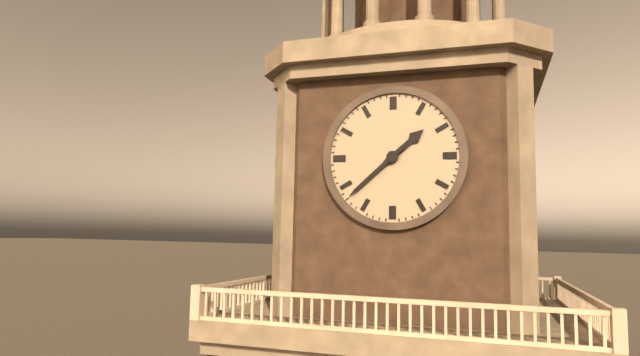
1.38
